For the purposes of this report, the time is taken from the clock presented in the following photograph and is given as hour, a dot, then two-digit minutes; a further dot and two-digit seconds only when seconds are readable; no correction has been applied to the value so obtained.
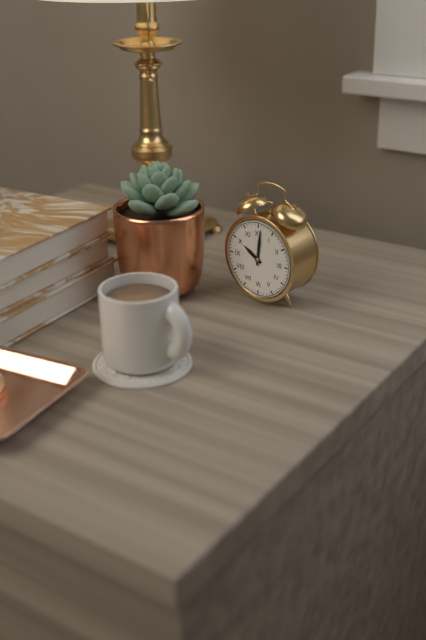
10.01
